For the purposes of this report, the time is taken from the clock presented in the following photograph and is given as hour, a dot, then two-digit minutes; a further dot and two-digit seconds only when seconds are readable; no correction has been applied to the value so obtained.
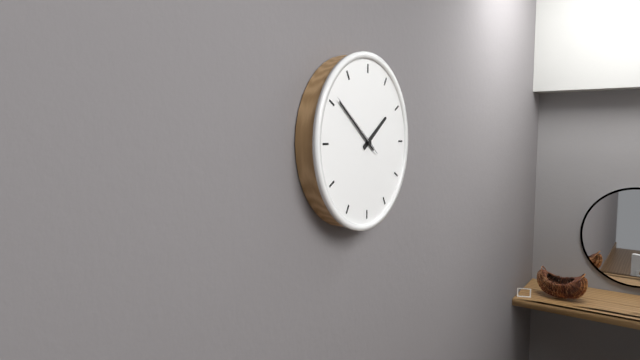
1.51.51
